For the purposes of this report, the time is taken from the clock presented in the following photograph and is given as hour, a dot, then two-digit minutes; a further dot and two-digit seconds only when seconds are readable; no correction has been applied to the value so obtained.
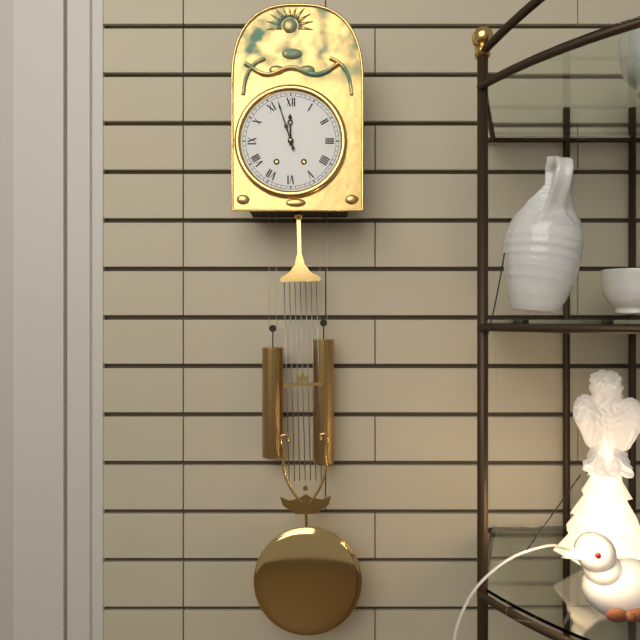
11.57
